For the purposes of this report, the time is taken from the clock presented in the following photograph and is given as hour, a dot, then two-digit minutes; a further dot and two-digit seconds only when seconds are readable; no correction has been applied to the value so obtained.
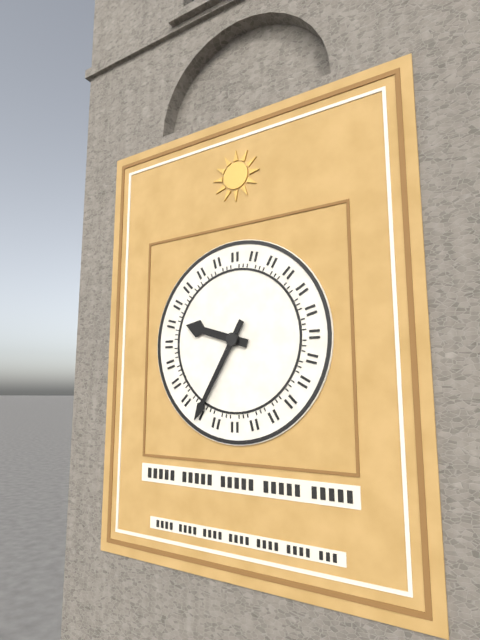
9.35
